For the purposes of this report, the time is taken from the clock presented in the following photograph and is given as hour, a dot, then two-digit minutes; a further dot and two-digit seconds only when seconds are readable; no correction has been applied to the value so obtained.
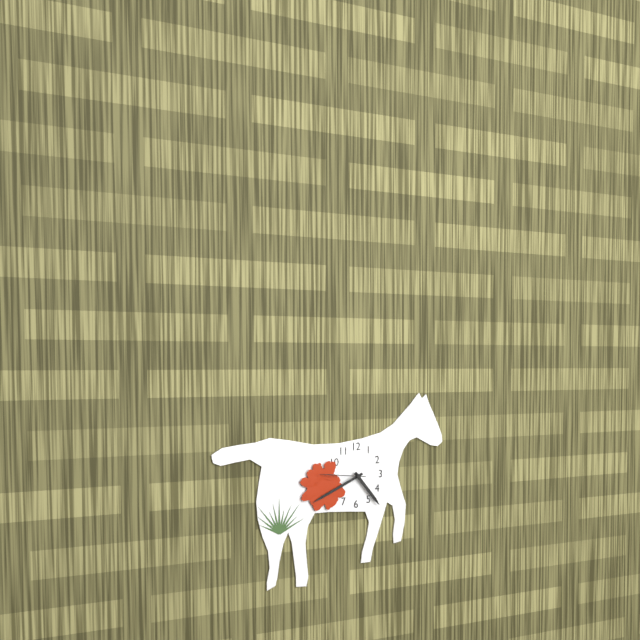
4.41.46
